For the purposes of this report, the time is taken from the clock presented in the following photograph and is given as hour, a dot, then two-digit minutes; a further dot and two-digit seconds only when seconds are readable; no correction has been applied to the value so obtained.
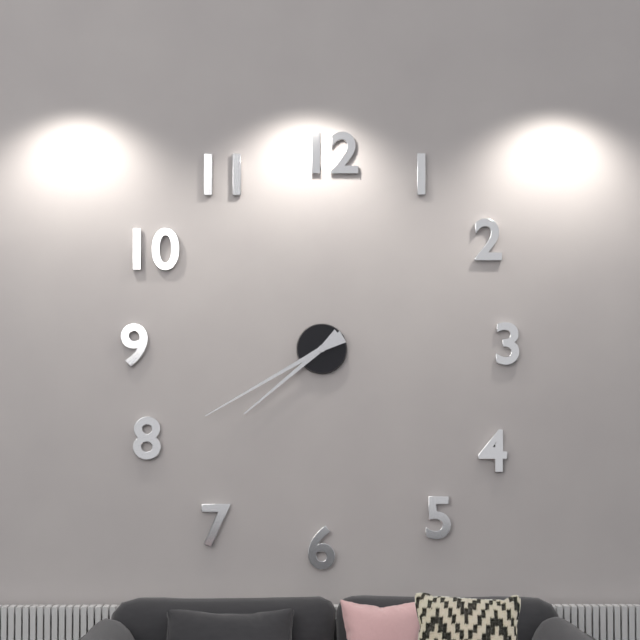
7.40
